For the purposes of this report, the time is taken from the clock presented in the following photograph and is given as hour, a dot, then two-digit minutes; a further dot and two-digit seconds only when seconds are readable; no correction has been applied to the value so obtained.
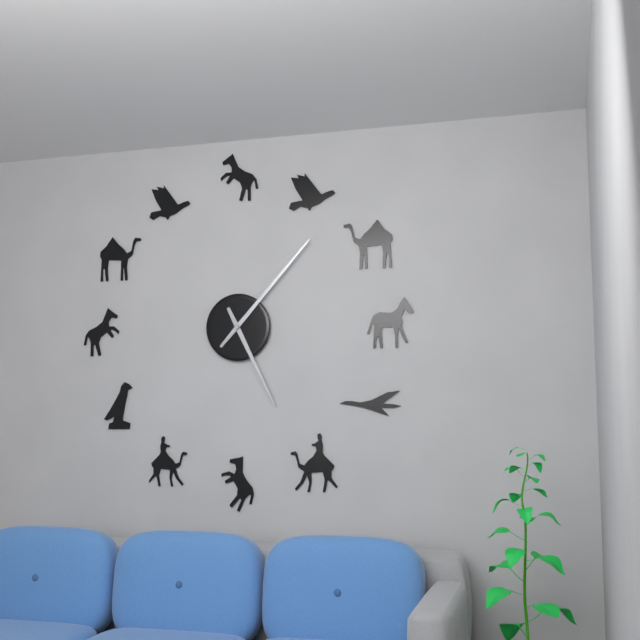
5.07
